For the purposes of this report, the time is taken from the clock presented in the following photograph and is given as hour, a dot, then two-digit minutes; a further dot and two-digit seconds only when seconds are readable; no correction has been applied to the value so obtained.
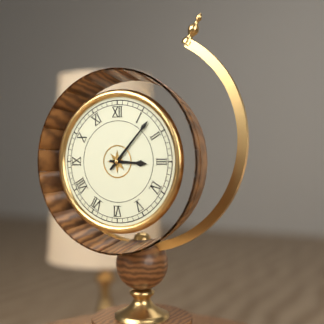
3.07
